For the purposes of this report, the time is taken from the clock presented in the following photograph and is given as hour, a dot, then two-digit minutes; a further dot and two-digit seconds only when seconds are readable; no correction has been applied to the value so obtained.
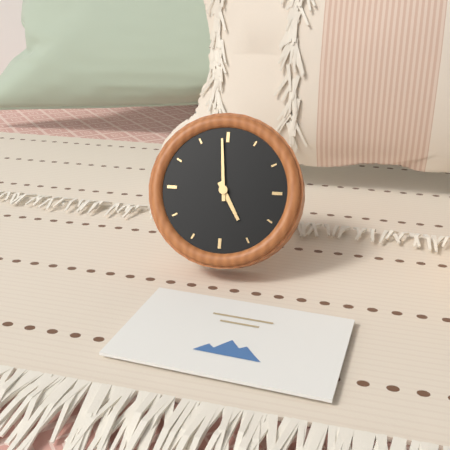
4.59
